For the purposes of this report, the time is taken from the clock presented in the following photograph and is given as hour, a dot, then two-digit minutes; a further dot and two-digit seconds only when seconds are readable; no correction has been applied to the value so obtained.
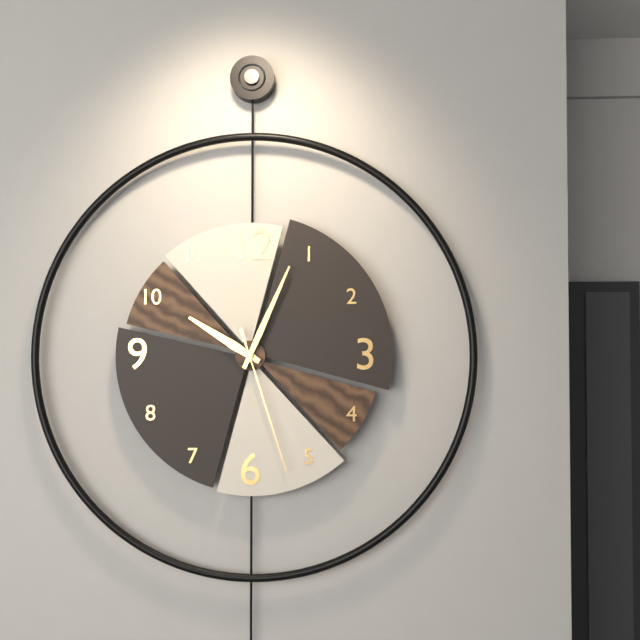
10.04.27
